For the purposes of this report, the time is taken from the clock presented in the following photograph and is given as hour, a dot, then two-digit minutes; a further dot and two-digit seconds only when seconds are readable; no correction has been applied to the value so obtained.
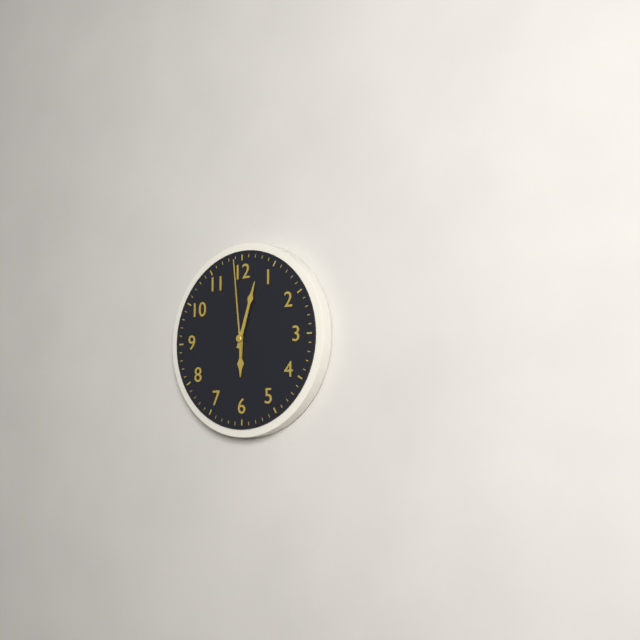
6.03.59
